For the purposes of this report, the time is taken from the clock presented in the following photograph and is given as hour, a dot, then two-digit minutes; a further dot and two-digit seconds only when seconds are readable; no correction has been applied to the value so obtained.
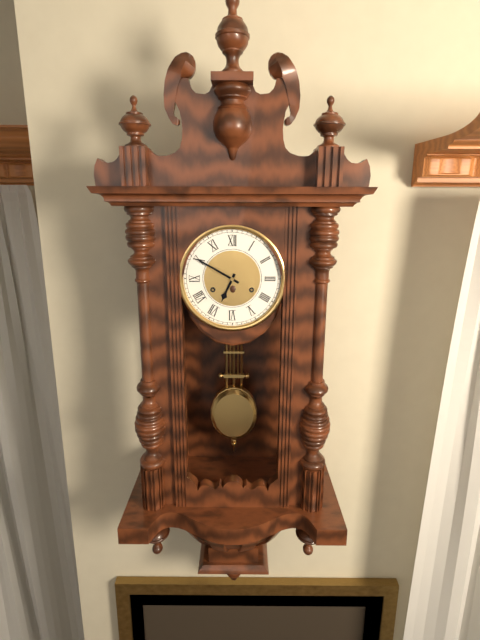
6.50
